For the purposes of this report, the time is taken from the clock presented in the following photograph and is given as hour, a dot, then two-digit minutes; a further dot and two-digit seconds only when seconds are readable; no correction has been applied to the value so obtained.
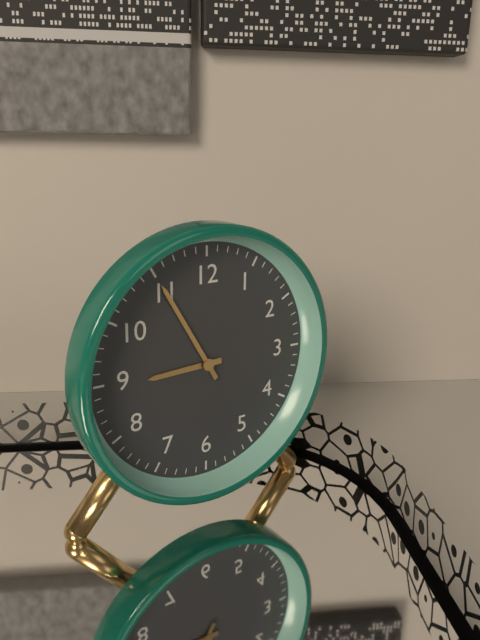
8.55
